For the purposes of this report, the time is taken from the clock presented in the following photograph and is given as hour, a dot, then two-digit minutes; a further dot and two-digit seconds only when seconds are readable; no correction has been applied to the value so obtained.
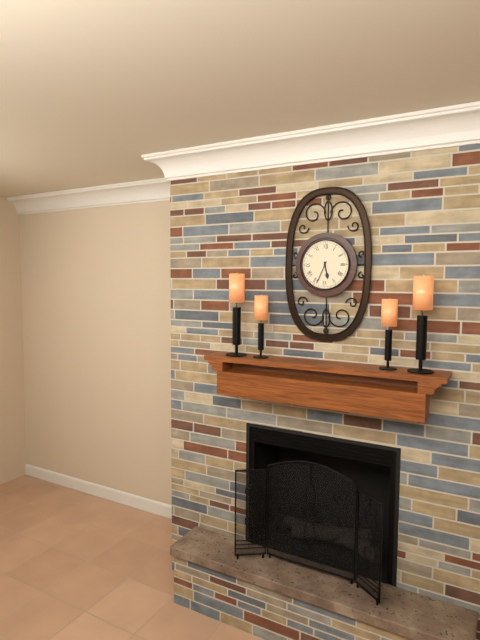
5.34
